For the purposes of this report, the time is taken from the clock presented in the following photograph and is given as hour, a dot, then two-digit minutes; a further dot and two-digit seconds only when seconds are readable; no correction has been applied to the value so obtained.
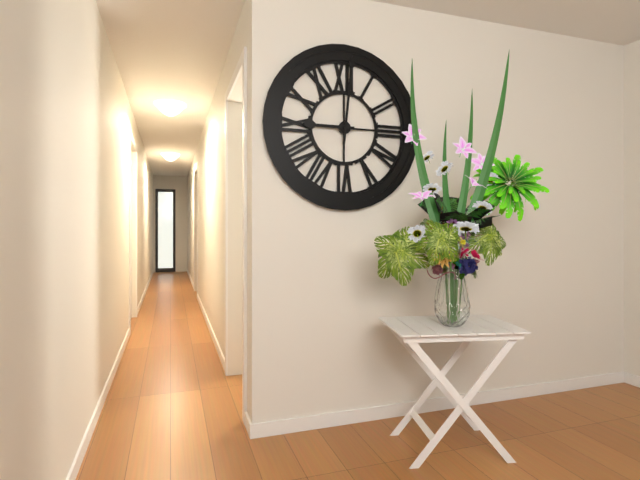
9.01
